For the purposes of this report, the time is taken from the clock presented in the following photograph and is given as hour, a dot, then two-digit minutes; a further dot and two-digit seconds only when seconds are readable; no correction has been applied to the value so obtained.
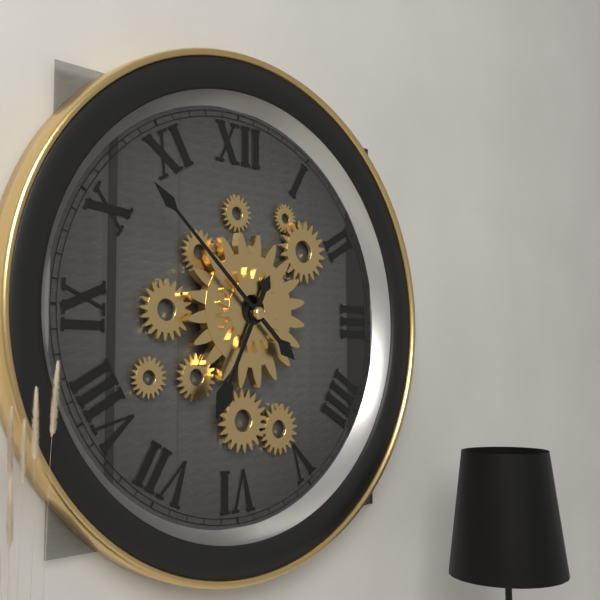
6.52
